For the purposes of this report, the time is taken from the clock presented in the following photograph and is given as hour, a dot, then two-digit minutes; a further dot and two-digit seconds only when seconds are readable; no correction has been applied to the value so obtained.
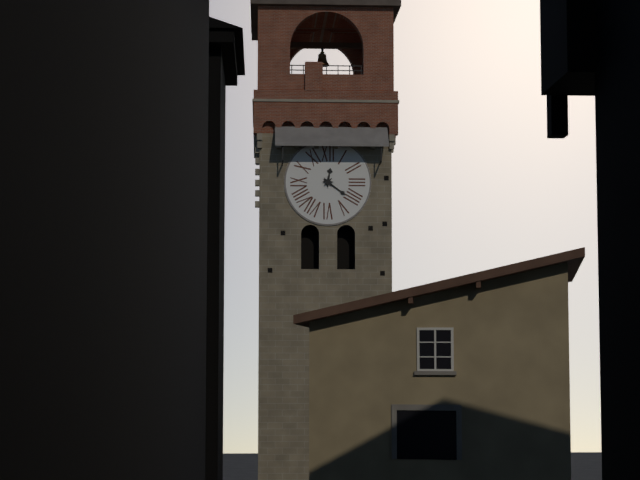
12.21
